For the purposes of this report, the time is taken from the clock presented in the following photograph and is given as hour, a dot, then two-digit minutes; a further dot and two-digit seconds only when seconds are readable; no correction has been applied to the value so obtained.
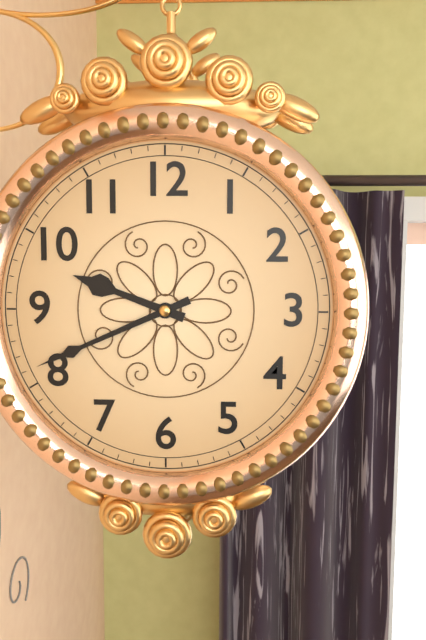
9.41
